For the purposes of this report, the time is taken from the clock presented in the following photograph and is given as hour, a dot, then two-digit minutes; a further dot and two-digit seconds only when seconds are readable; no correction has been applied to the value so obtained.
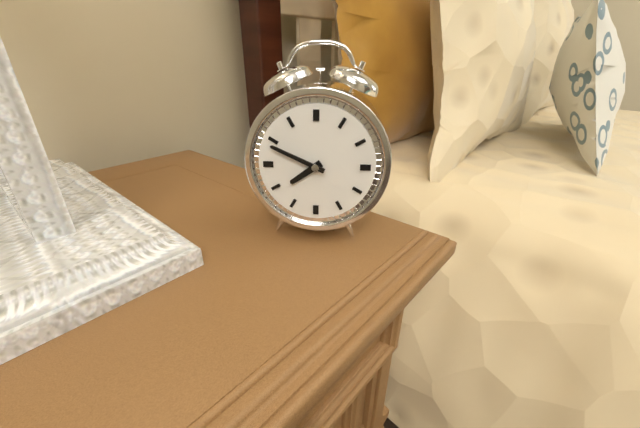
7.49
